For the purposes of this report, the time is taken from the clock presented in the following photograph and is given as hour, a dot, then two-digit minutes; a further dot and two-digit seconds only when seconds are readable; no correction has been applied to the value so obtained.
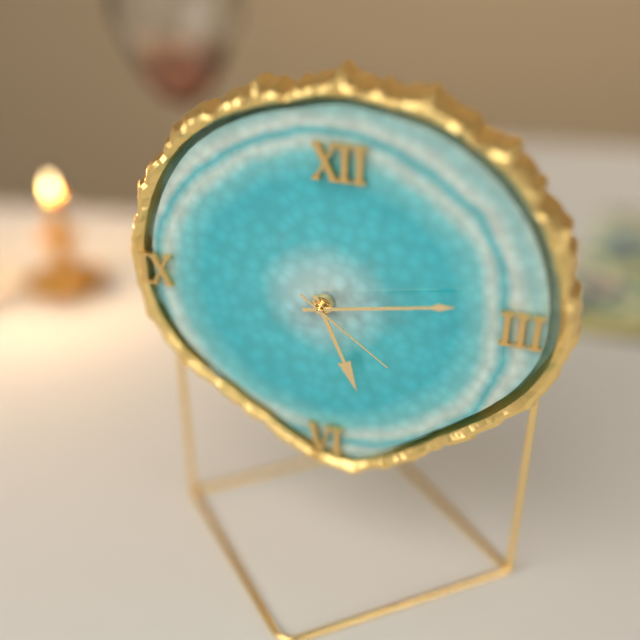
5.13.21
